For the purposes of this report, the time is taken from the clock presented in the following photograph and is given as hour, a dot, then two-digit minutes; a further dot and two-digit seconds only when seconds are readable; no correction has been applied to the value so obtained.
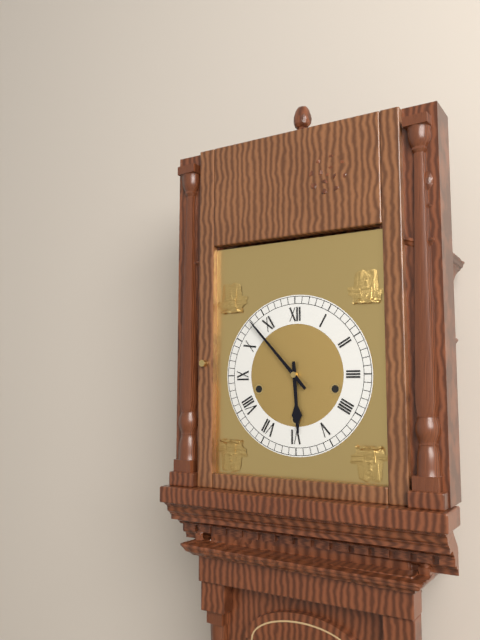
5.53
